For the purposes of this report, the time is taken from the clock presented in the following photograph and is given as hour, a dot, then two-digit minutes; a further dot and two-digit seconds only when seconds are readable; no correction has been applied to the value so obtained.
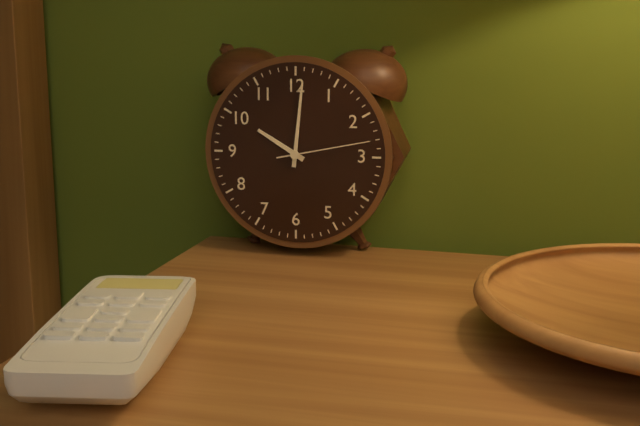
10.01.13
